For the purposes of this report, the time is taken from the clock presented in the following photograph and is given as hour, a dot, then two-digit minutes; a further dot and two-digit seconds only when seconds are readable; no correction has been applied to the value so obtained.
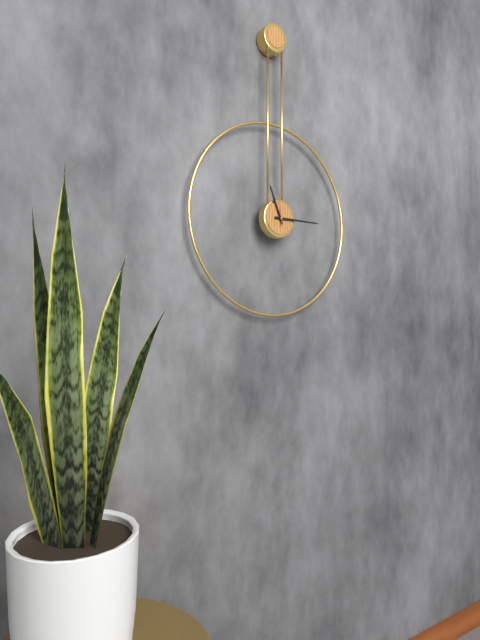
11.15
